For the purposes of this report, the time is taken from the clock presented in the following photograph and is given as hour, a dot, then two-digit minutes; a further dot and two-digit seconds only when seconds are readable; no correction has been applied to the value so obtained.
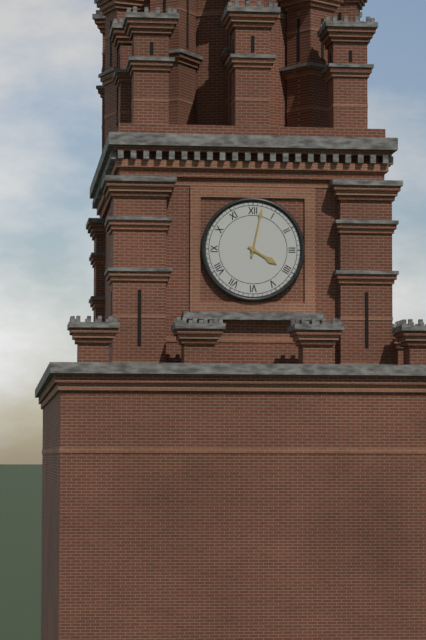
4.02
